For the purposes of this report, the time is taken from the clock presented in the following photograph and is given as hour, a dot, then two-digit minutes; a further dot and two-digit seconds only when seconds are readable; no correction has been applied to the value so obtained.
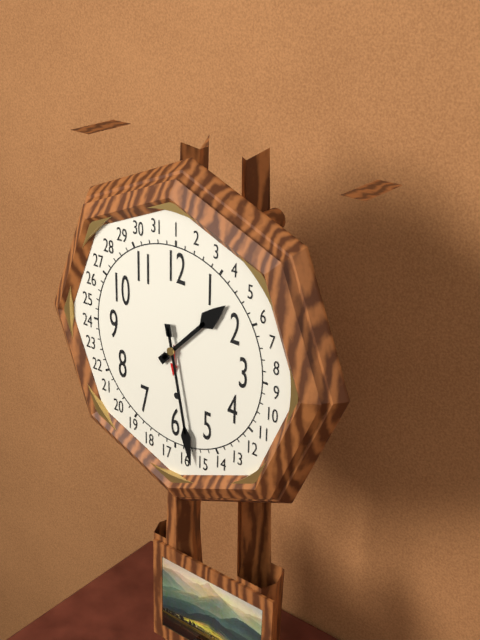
1.28
